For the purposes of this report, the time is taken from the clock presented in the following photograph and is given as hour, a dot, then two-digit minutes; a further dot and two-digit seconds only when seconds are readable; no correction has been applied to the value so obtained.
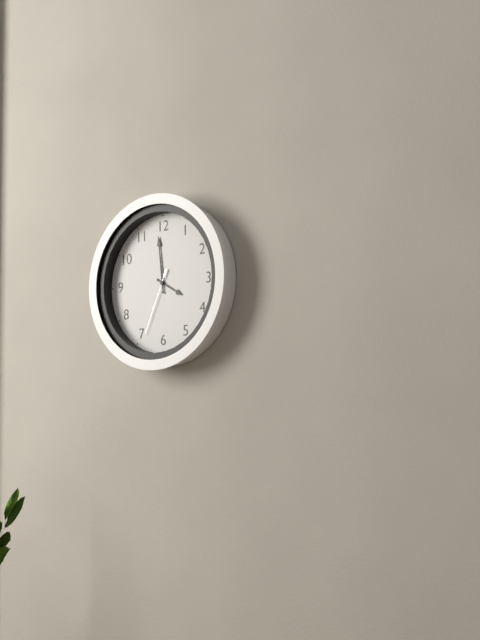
3.59.34
